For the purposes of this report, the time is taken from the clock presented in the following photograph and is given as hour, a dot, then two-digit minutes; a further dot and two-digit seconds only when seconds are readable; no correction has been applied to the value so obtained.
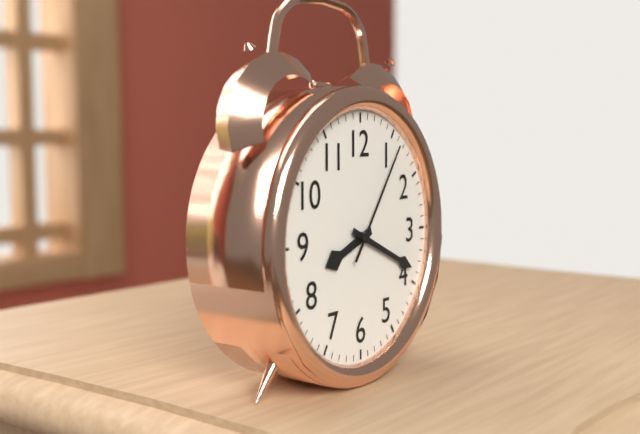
8.19.06
